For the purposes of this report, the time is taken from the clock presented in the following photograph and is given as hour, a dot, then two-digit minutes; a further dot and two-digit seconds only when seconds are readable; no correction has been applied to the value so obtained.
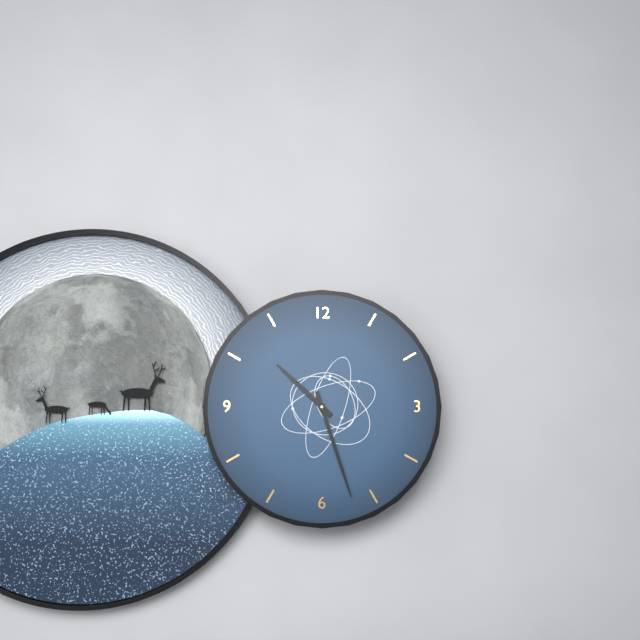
10.27
